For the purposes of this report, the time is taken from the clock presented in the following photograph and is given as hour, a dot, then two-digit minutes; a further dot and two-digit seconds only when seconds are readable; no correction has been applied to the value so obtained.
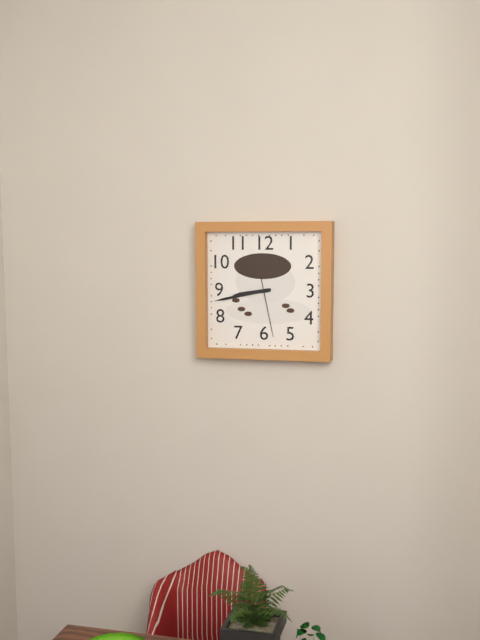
8.43.28
